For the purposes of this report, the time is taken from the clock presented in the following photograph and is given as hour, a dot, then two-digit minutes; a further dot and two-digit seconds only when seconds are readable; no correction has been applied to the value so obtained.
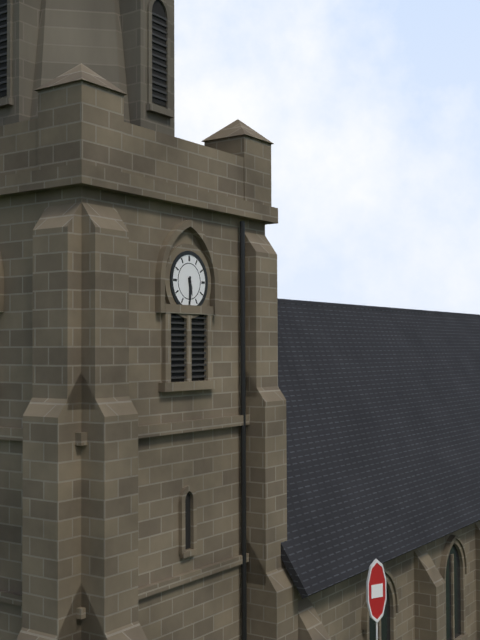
5.30
